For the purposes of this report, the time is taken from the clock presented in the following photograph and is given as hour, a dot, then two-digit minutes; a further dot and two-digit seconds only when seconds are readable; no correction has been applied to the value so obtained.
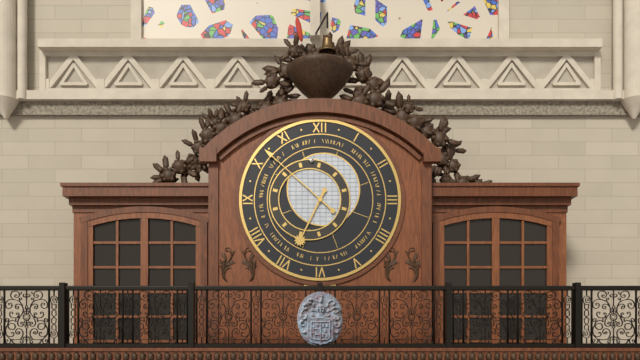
6.52
